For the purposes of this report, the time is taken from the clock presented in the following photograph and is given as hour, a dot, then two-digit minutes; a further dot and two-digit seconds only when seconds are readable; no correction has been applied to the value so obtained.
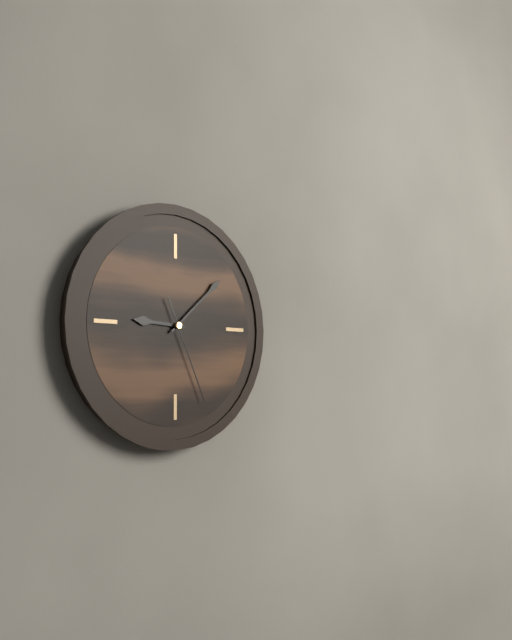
9.08.26
